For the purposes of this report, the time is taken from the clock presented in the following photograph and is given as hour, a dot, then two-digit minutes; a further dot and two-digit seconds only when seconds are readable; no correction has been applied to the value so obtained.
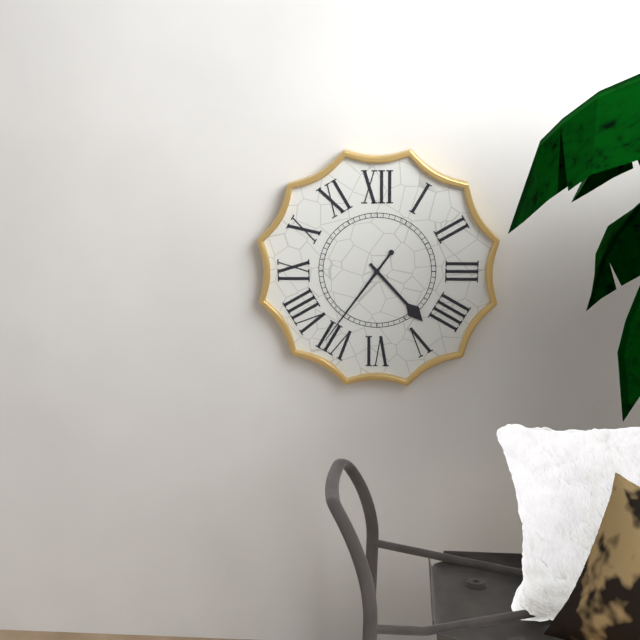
4.36
